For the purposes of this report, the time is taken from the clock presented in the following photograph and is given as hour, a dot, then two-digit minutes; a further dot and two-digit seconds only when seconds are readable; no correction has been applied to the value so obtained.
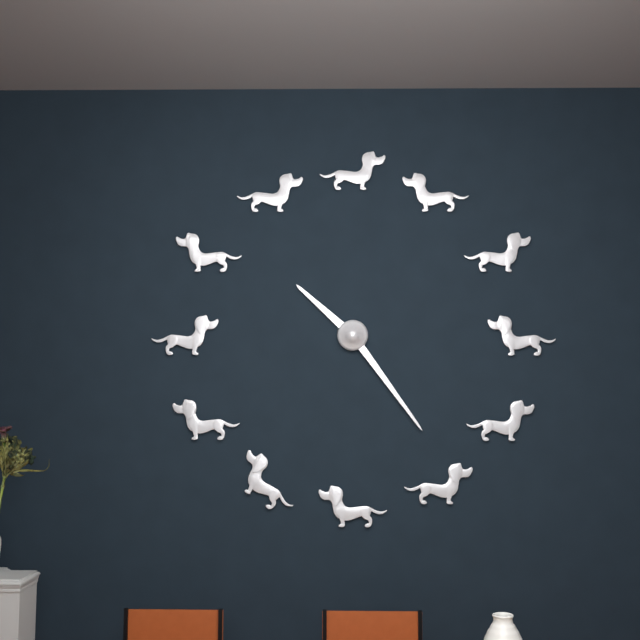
10.24
